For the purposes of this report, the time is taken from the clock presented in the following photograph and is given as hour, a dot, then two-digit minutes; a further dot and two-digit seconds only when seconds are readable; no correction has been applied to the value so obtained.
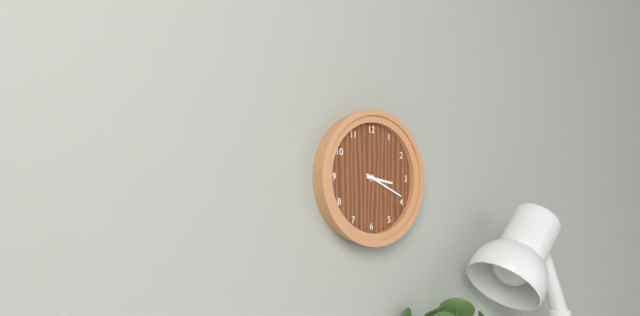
3.19
